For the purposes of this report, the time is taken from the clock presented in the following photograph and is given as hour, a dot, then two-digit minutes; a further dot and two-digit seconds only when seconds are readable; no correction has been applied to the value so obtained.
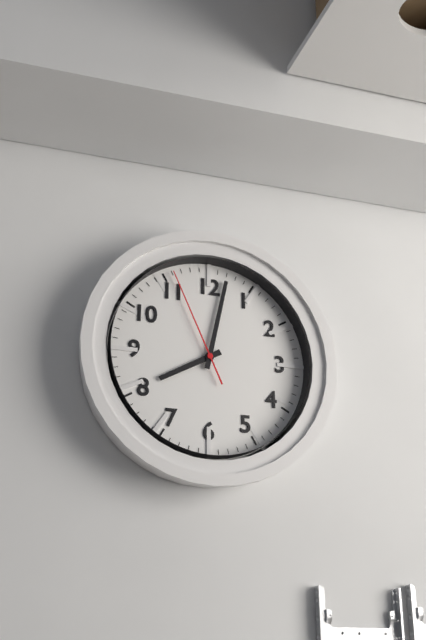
8.02.56
